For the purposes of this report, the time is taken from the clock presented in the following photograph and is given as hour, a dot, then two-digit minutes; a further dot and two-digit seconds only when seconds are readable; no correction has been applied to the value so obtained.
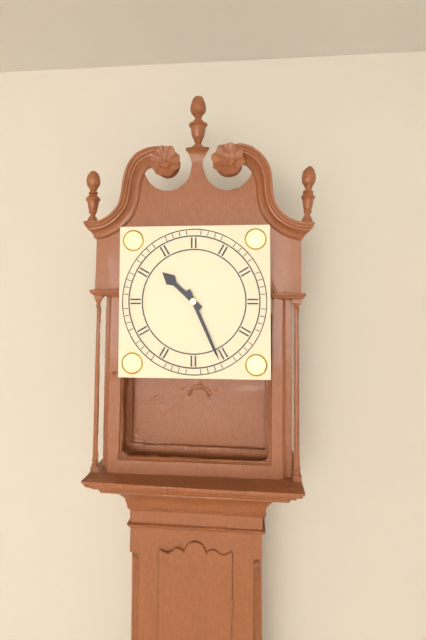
10.26
